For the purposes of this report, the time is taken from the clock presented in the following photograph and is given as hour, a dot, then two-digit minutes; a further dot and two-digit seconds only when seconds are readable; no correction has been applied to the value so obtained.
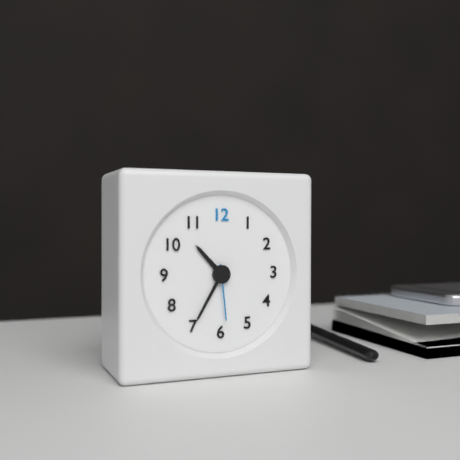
10.35.29
